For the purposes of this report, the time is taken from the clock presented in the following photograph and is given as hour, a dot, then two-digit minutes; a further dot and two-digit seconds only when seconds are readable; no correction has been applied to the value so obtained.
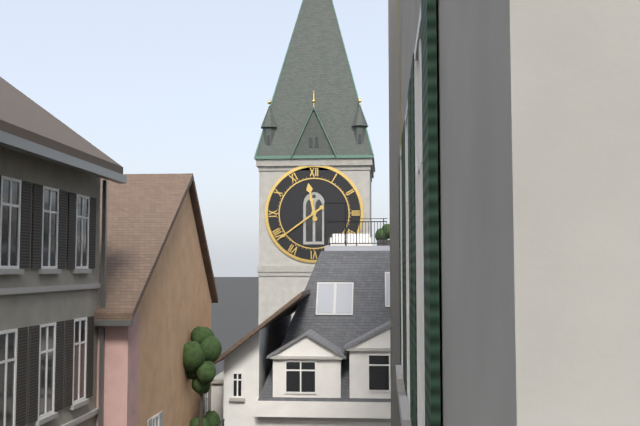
11.39
